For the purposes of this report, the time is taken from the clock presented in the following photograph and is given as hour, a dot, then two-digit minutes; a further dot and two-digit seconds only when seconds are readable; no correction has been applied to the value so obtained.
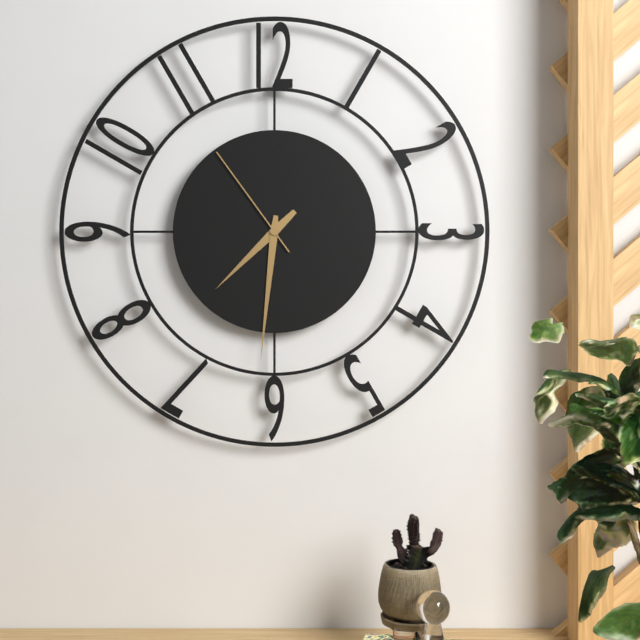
7.31.54
